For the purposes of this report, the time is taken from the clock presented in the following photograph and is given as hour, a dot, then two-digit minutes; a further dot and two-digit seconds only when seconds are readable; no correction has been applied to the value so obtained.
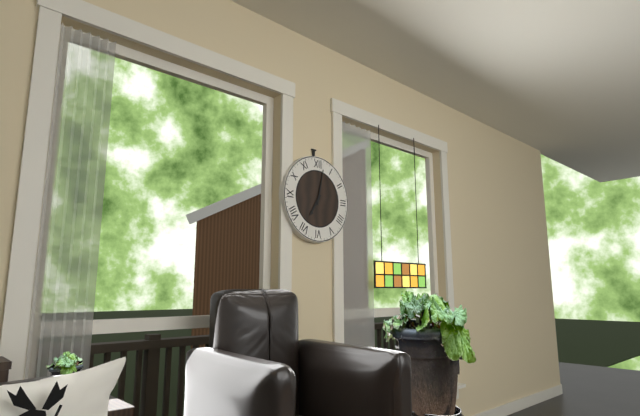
7.02
